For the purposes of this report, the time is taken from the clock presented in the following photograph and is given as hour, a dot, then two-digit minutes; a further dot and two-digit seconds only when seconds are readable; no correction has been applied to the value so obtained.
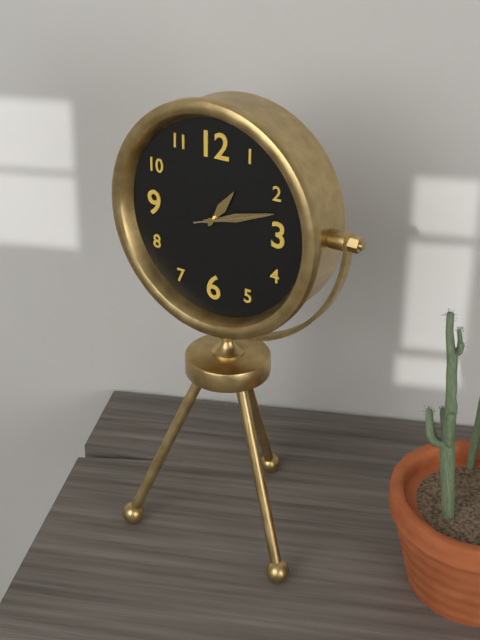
1.12.12
